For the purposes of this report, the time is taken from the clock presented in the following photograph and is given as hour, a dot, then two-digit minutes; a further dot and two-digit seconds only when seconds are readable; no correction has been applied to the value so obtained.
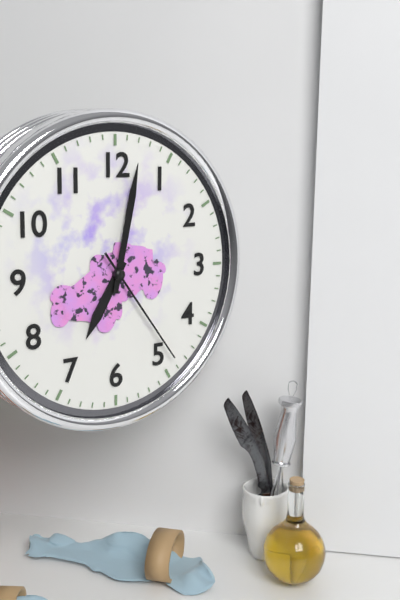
7.02.24
